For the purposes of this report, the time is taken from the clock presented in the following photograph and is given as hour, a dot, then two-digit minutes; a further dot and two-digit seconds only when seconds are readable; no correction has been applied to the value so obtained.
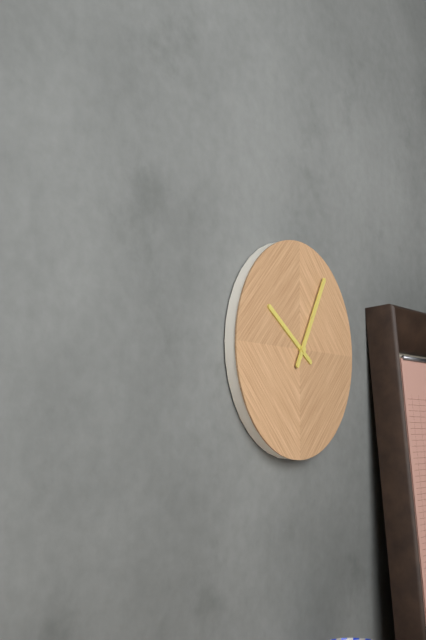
10.05
